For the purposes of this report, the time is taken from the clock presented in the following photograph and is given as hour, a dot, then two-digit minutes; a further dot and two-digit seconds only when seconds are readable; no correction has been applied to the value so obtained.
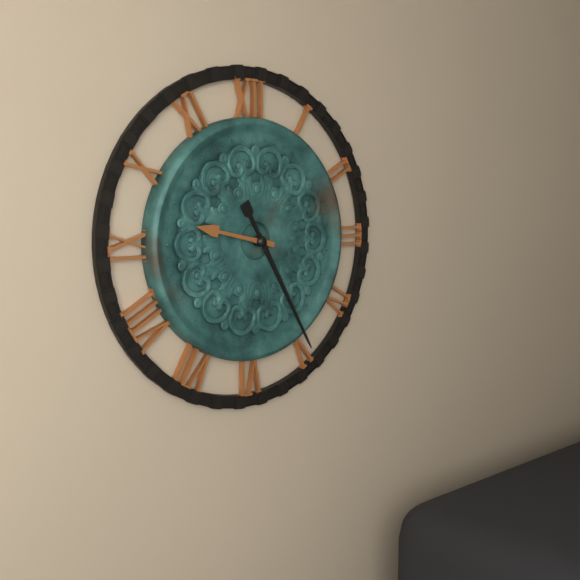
9.25
